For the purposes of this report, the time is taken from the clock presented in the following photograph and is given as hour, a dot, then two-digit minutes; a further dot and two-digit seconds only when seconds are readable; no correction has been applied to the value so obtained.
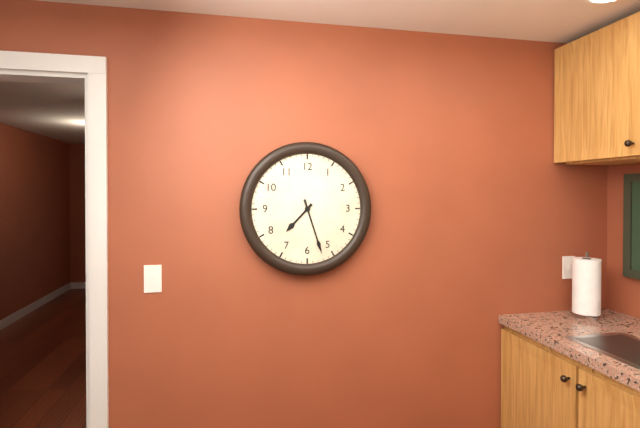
7.27
